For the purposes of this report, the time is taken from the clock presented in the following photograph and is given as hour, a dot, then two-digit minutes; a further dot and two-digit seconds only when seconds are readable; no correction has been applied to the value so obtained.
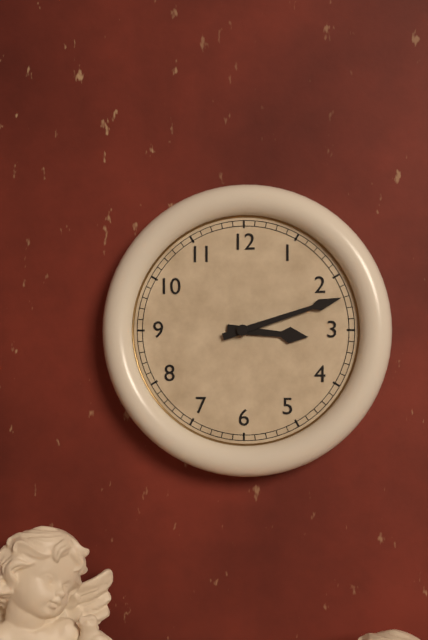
3.12
